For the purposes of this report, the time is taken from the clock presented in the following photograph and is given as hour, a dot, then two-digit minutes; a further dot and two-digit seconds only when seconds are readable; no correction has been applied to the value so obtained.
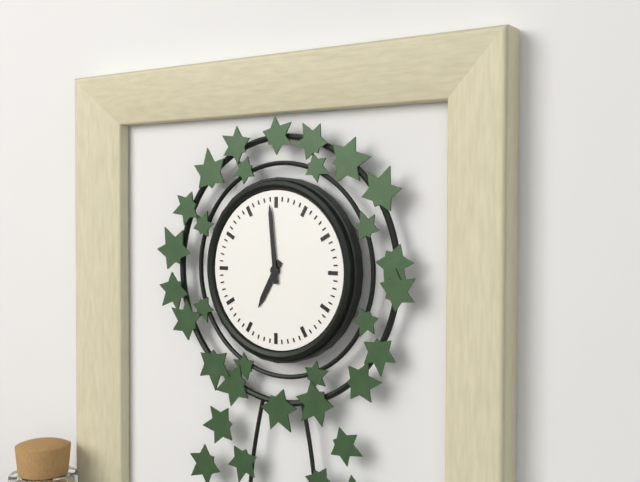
6.59
